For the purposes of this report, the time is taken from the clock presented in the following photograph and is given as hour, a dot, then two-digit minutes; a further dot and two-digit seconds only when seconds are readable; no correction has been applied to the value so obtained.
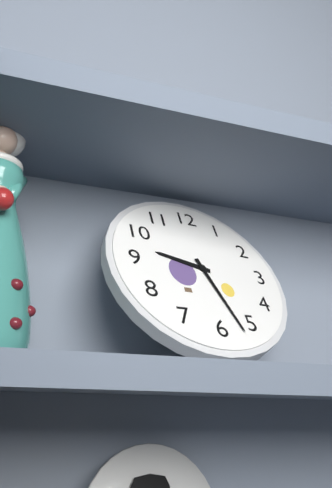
9.27
